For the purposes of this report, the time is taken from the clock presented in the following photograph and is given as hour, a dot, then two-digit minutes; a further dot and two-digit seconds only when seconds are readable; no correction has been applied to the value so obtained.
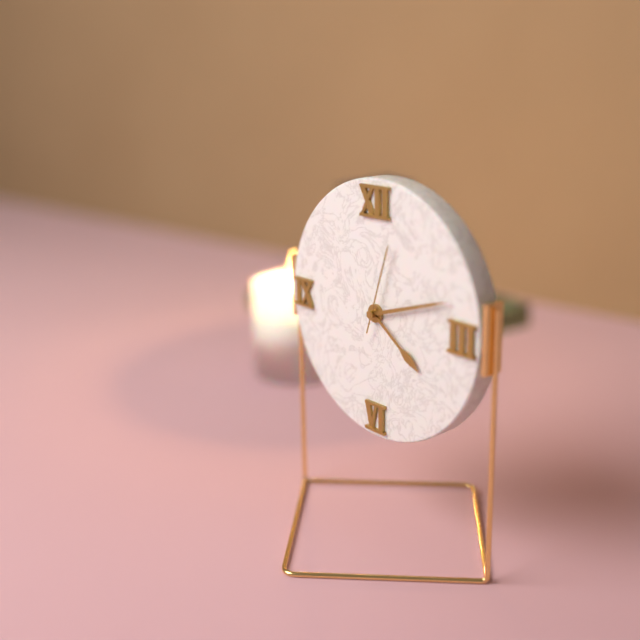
4.12.03
